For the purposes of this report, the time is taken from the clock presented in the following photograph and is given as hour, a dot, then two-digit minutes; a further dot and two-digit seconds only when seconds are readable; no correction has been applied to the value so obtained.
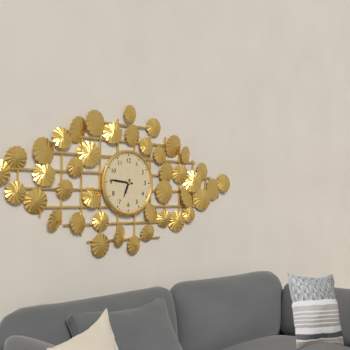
6.46
